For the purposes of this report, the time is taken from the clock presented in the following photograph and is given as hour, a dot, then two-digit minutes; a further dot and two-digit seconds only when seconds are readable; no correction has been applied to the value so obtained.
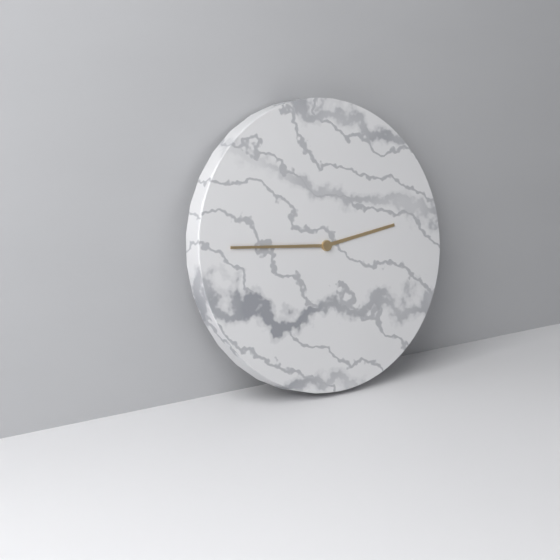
2.46
